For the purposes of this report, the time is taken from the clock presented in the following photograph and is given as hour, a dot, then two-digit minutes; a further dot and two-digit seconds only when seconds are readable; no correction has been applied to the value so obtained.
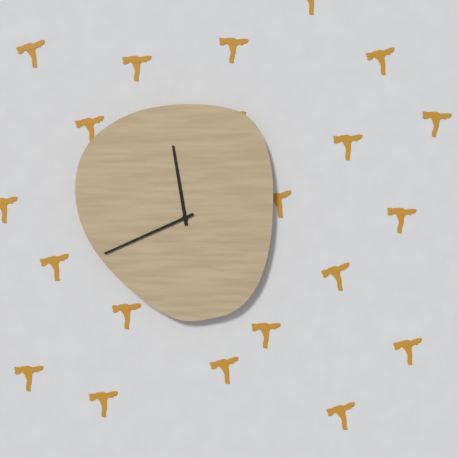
11.41
